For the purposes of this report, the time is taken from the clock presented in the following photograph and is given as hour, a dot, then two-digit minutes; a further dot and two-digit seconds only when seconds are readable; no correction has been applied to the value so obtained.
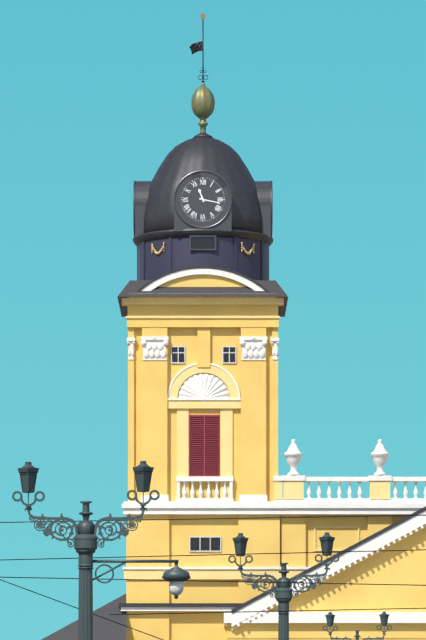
11.17
